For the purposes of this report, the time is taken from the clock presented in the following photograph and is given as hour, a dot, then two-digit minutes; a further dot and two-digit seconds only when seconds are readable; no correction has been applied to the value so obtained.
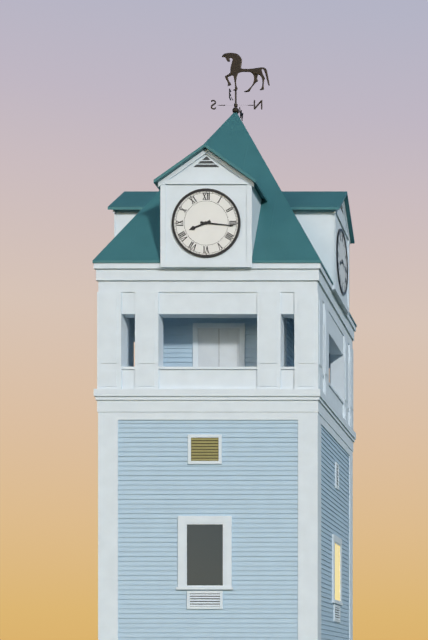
8.16
